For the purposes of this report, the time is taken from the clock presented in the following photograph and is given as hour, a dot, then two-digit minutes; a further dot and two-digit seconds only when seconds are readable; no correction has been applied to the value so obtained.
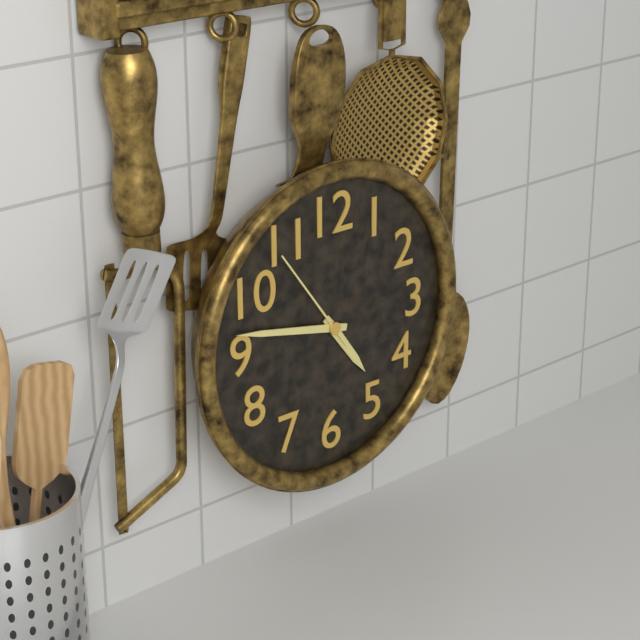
4.47.54
